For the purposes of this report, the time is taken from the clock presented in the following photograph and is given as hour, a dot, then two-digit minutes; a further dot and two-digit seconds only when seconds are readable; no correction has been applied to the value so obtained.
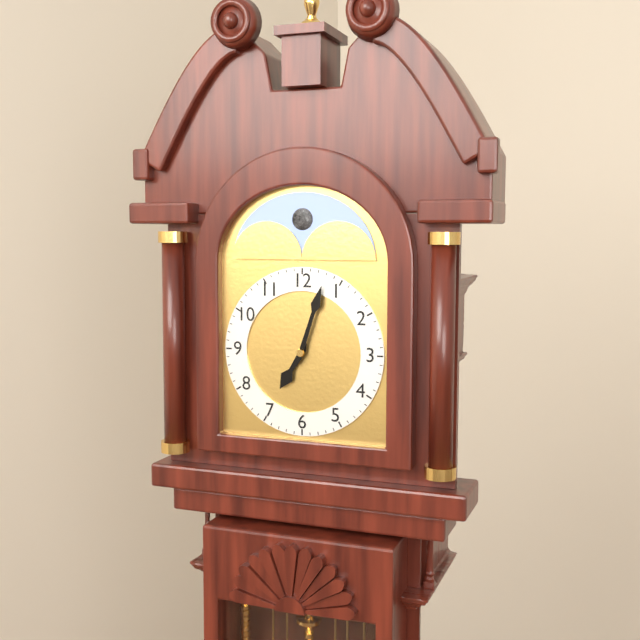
7.03
